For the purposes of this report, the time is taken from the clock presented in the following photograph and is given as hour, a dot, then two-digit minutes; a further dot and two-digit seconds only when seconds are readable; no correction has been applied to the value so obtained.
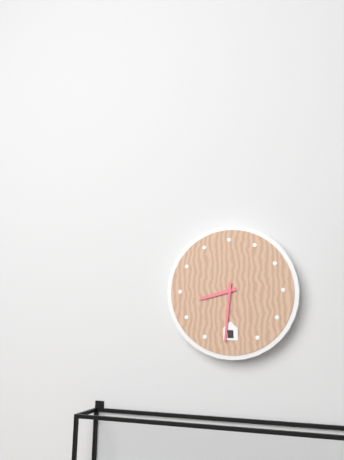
8.31
